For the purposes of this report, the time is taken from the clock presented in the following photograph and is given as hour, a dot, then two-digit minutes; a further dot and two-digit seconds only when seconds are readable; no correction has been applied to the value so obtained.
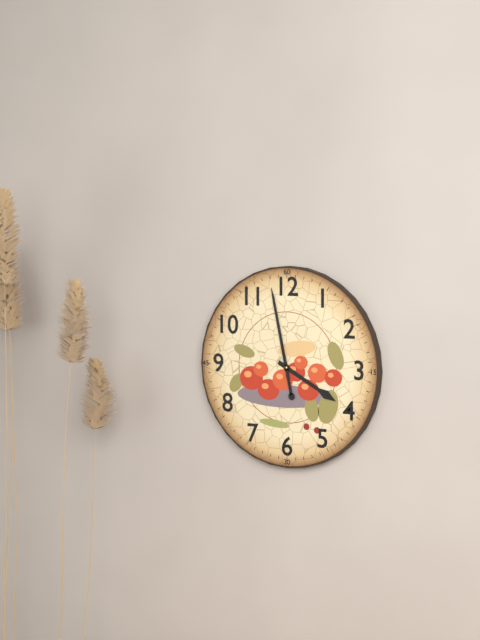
3.58
